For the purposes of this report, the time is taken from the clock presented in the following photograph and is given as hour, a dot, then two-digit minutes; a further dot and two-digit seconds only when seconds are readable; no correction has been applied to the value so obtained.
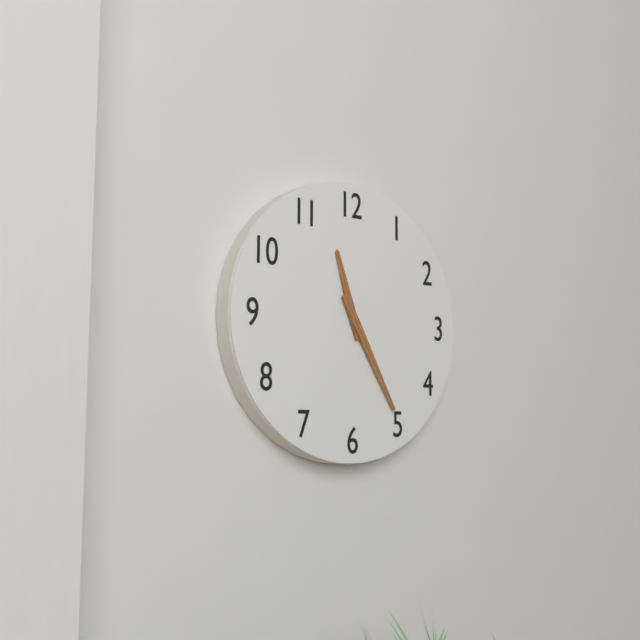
11.25
